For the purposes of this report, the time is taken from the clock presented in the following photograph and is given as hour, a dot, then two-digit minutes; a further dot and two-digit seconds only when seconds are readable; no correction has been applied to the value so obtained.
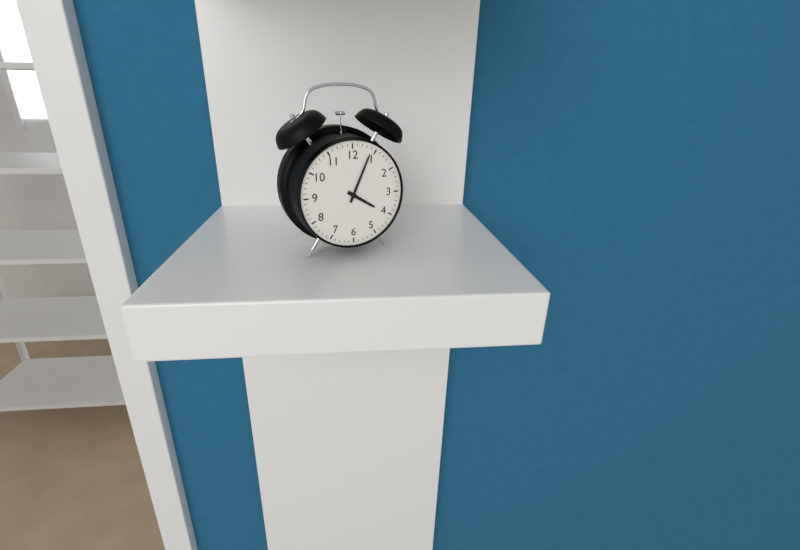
4.04
